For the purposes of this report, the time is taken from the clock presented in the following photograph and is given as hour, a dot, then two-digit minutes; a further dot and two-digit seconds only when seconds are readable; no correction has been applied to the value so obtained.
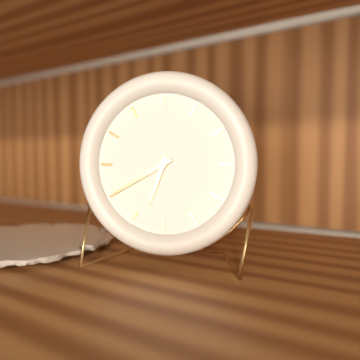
6.40
